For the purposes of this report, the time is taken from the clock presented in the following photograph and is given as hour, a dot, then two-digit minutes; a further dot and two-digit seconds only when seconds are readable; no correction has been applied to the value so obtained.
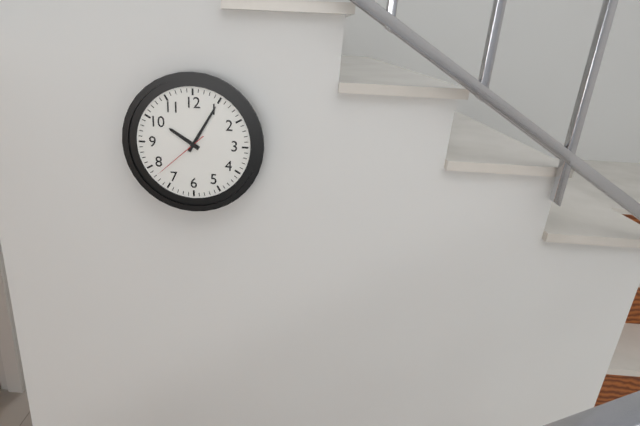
10.05.38
